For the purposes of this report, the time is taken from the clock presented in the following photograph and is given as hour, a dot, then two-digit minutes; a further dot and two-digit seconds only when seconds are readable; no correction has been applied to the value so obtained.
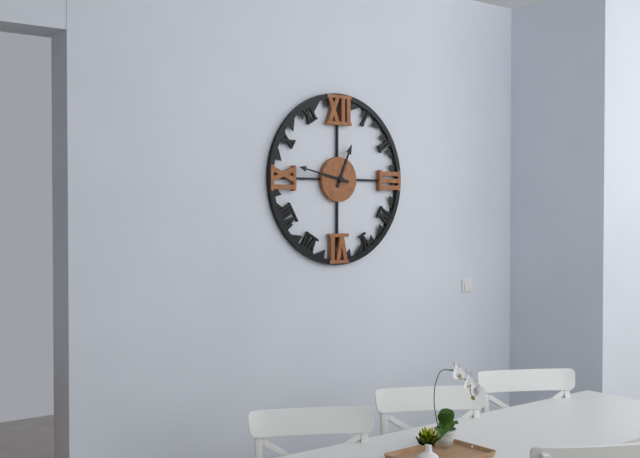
12.47
